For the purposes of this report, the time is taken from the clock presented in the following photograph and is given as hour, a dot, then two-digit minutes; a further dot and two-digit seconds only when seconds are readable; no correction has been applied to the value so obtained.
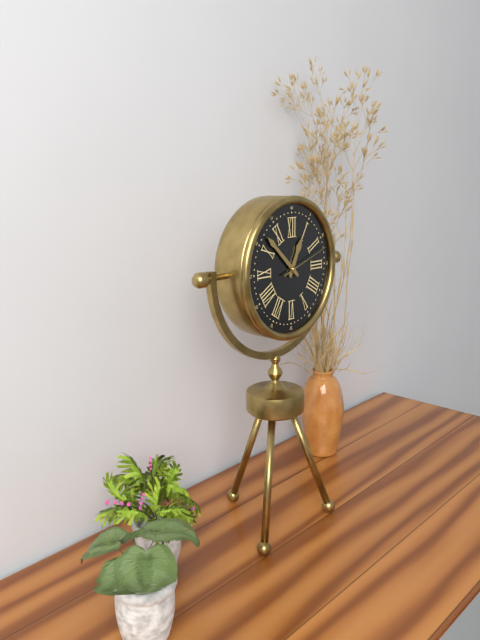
12.52
